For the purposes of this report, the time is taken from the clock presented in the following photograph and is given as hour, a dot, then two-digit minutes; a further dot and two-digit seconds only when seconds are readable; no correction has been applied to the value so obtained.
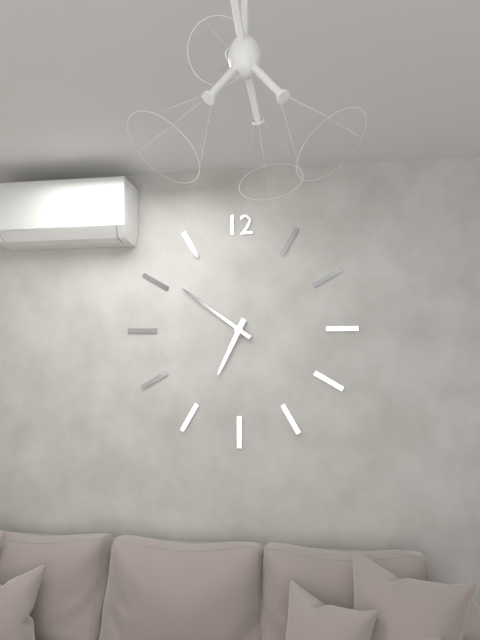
6.51
